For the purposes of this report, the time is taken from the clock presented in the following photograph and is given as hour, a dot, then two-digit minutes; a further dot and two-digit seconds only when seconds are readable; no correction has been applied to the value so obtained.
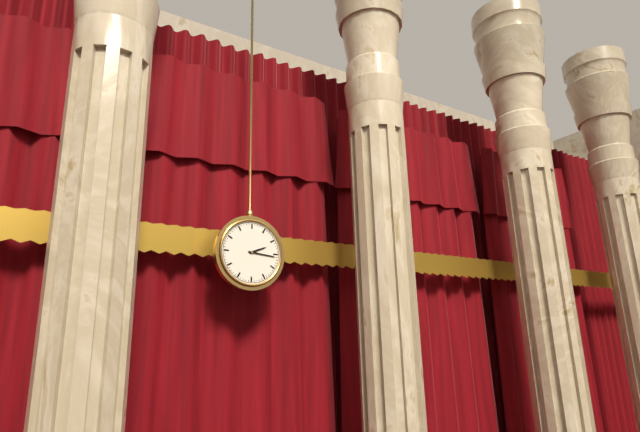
2.16
